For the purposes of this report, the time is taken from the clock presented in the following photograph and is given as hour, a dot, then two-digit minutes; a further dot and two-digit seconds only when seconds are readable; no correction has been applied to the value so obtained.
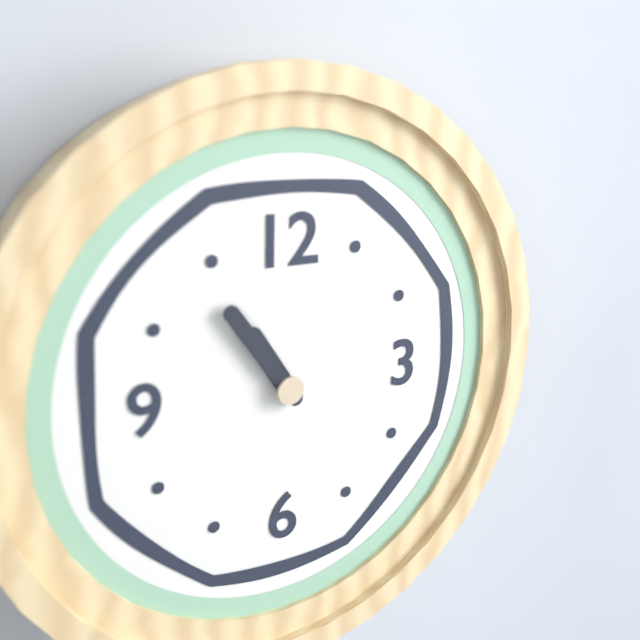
10.54
